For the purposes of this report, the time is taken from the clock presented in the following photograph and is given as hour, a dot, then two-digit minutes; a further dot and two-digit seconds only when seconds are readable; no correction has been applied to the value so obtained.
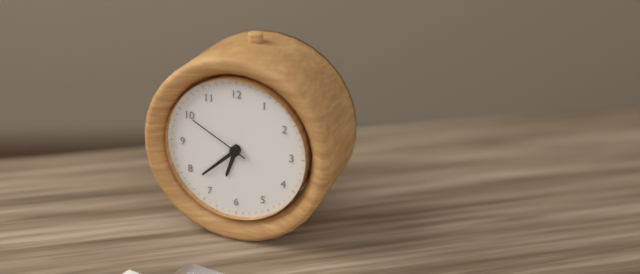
6.38.50
